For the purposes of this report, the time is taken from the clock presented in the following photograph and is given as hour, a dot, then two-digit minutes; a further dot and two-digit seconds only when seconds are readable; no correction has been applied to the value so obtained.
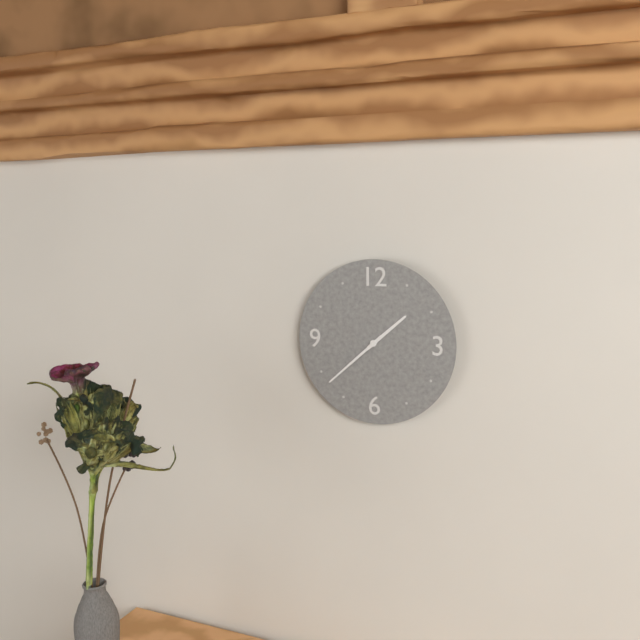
1.38
